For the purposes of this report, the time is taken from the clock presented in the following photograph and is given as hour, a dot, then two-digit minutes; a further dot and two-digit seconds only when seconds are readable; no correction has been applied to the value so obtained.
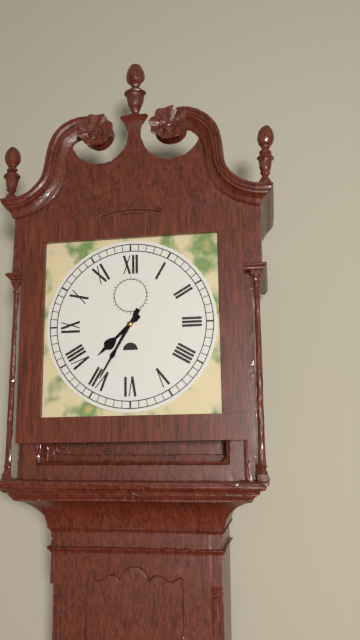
7.35
